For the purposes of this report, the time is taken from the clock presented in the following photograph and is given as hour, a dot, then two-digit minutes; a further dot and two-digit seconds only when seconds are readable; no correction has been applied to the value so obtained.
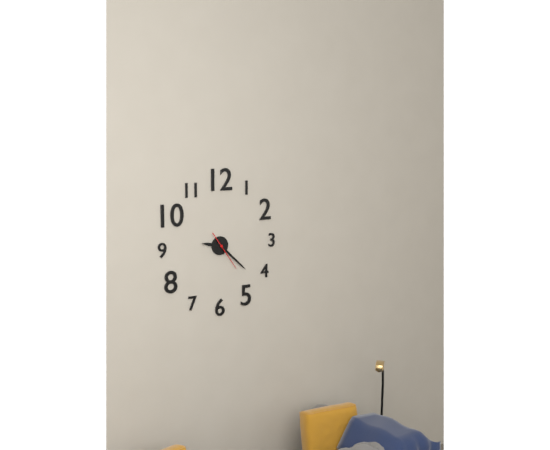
9.22
